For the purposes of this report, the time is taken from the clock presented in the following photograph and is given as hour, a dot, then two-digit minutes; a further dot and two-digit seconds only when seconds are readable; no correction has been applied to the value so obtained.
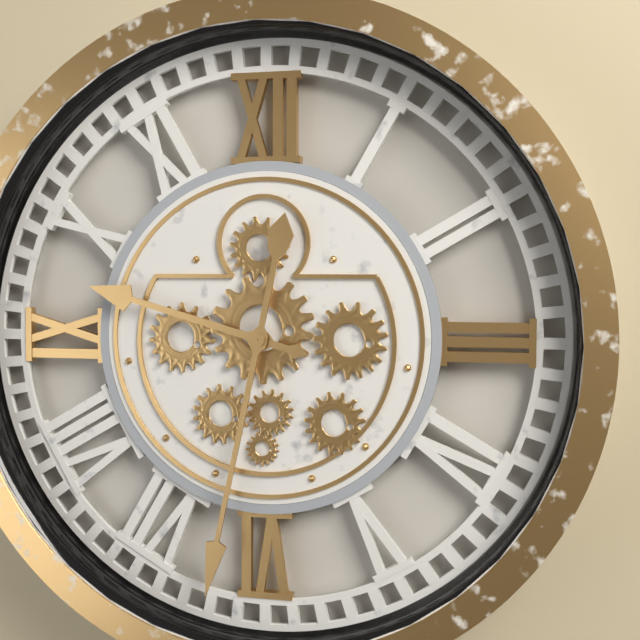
9.32
